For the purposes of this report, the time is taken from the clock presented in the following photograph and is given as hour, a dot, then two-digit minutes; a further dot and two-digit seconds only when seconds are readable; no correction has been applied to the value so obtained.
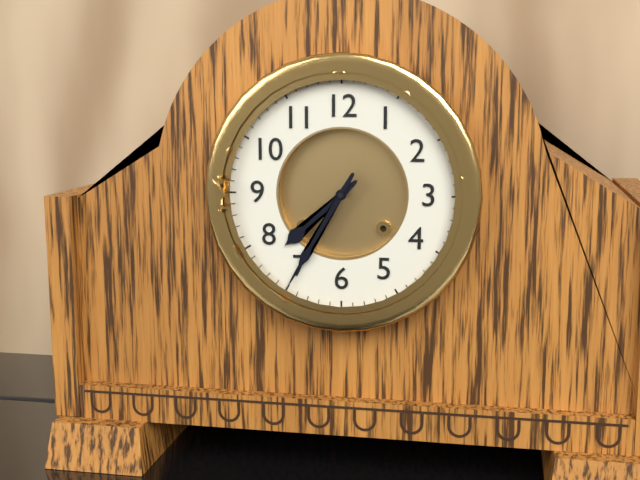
7.35
